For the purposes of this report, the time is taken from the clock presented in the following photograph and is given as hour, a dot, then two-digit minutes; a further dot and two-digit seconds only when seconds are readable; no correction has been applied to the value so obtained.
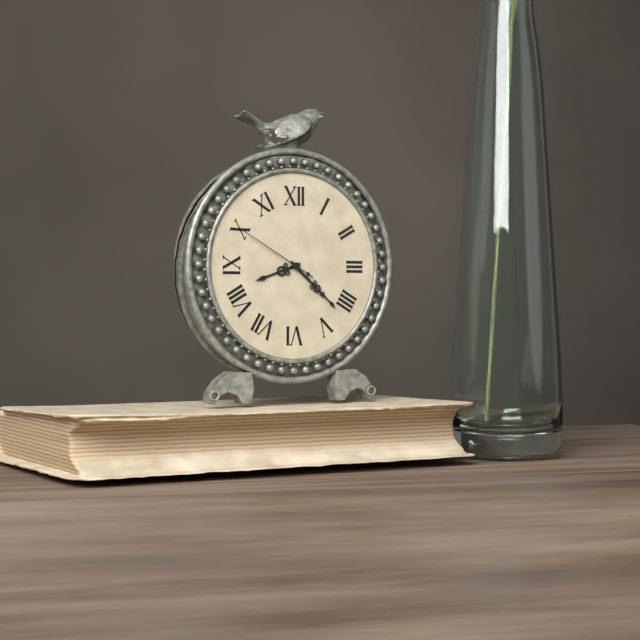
8.22.50
